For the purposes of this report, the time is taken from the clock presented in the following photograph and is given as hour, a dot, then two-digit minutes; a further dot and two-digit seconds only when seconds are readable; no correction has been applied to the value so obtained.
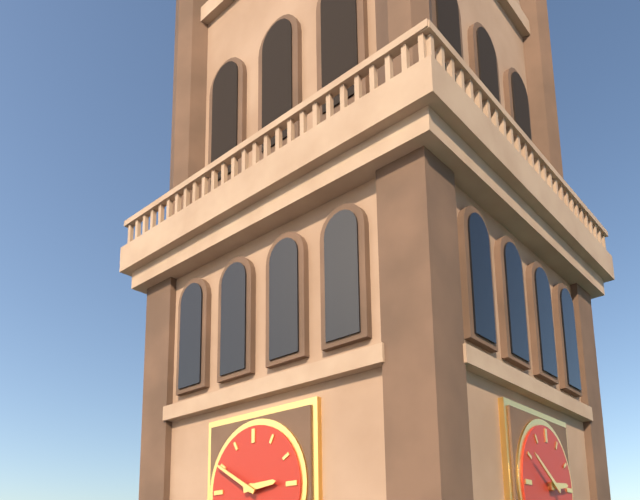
2.50
